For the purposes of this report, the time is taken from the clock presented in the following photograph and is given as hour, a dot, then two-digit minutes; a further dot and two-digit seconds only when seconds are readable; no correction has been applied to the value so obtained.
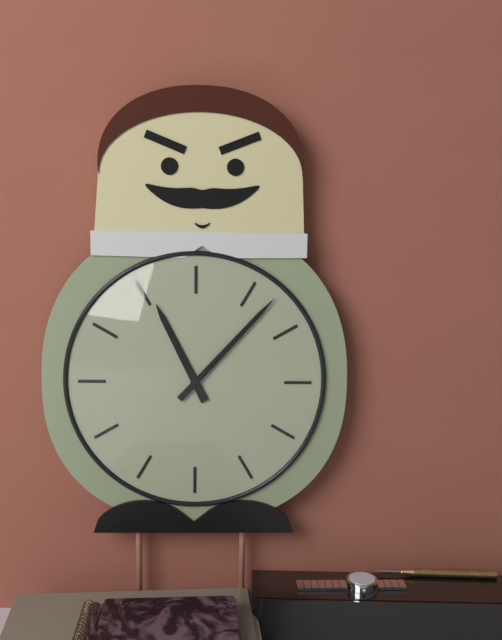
11.07
